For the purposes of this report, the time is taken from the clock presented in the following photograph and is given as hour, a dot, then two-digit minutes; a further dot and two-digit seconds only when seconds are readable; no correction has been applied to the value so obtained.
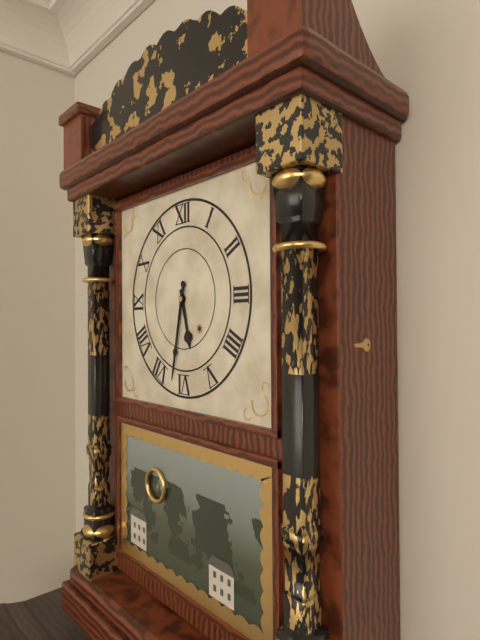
5.32
